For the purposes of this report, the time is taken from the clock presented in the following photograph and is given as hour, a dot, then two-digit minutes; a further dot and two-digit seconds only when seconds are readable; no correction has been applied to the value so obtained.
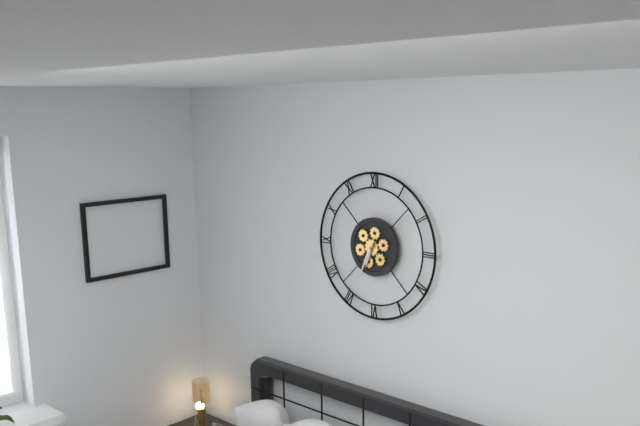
6.34
